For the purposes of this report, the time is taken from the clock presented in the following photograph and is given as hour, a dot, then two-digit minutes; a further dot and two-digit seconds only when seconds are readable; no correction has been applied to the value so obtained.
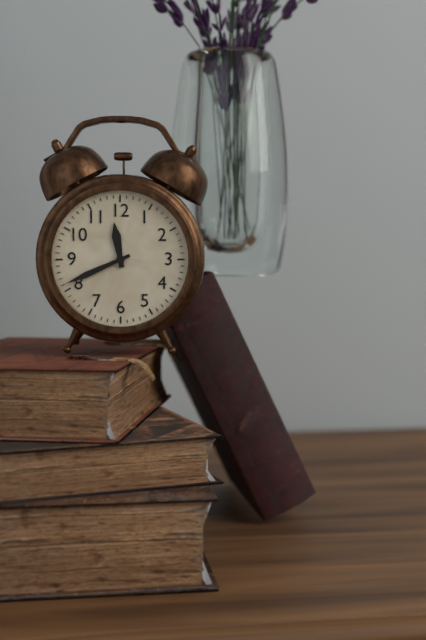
11.41
